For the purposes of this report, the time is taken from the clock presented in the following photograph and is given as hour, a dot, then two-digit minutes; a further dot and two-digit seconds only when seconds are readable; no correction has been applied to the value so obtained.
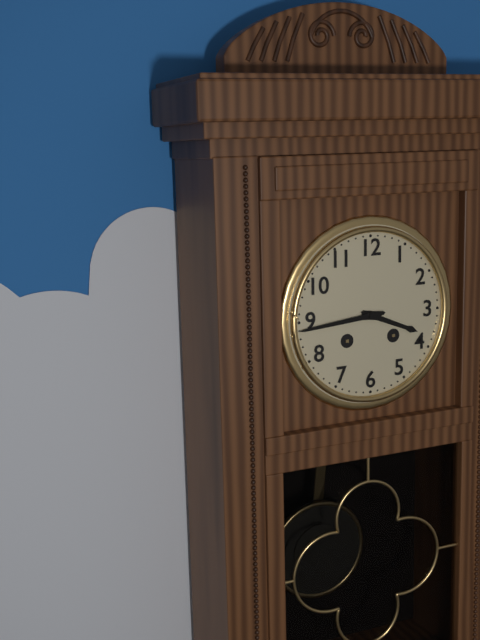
3.44
